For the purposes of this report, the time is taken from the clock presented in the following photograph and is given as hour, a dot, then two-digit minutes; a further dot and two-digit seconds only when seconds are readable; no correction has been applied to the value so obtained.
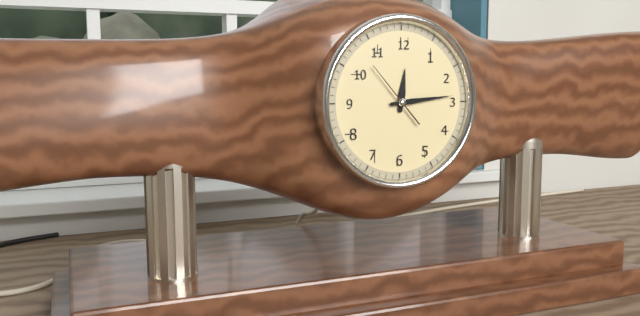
12.14.53
